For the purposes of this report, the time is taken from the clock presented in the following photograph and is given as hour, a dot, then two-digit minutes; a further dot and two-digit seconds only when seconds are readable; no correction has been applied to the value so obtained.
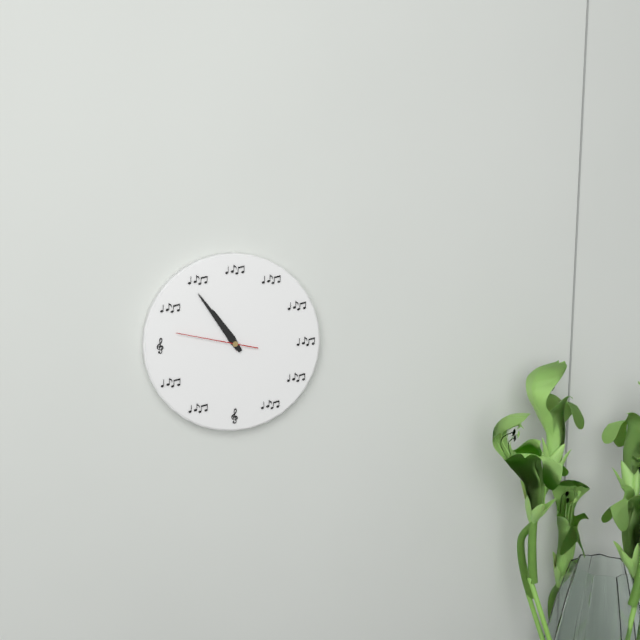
10.54.47
